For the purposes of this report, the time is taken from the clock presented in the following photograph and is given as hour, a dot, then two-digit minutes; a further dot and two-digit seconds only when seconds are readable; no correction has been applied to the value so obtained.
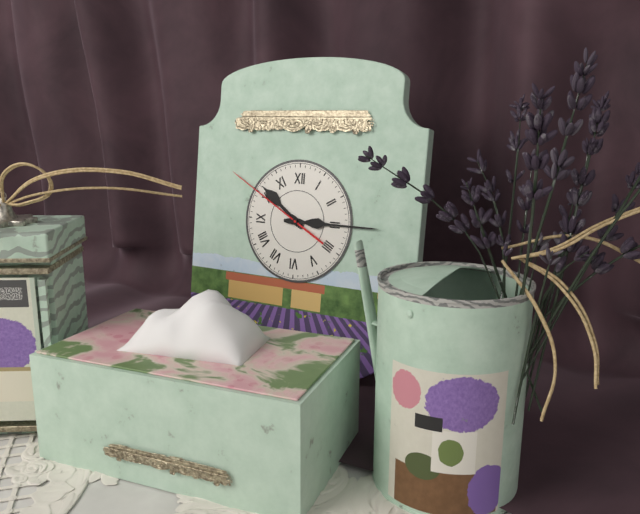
10.15.50
